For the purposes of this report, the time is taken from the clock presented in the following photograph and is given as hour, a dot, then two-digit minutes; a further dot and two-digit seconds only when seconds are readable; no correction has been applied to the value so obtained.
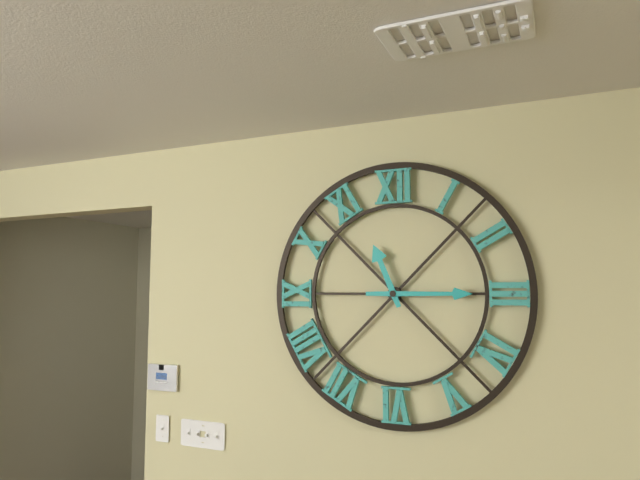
11.15
